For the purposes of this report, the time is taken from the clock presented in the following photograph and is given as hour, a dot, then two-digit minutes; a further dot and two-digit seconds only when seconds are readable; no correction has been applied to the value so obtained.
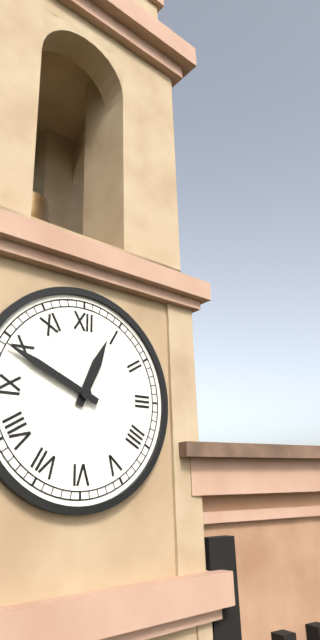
12.49
